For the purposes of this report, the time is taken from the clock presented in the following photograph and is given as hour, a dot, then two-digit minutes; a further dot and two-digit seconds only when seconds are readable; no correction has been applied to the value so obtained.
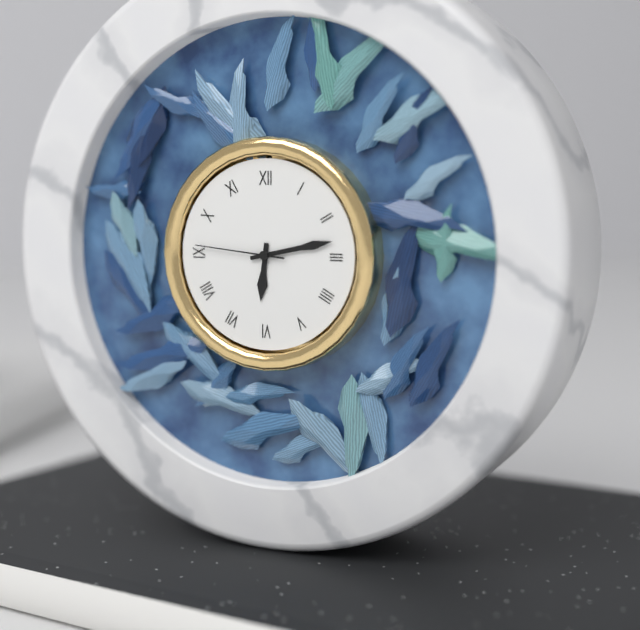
6.13.46
